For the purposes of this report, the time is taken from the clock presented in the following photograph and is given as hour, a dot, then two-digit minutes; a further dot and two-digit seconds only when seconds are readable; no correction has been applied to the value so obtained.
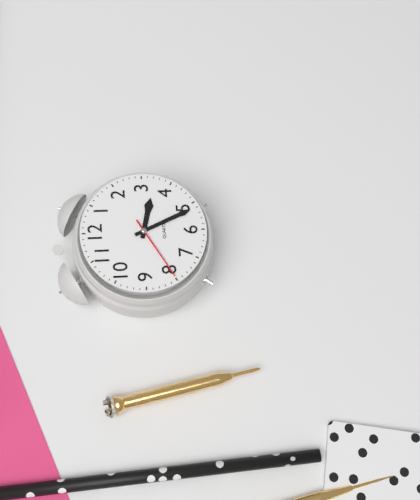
3.26.40
